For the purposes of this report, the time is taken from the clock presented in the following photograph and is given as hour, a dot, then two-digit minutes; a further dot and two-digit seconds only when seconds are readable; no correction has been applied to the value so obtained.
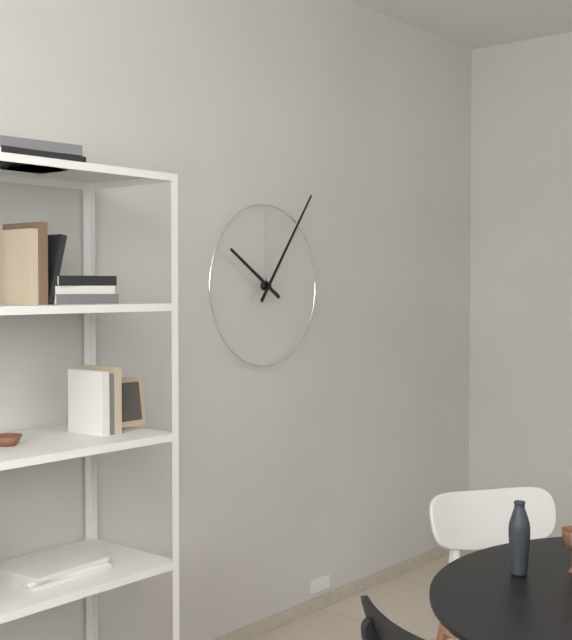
10.06
